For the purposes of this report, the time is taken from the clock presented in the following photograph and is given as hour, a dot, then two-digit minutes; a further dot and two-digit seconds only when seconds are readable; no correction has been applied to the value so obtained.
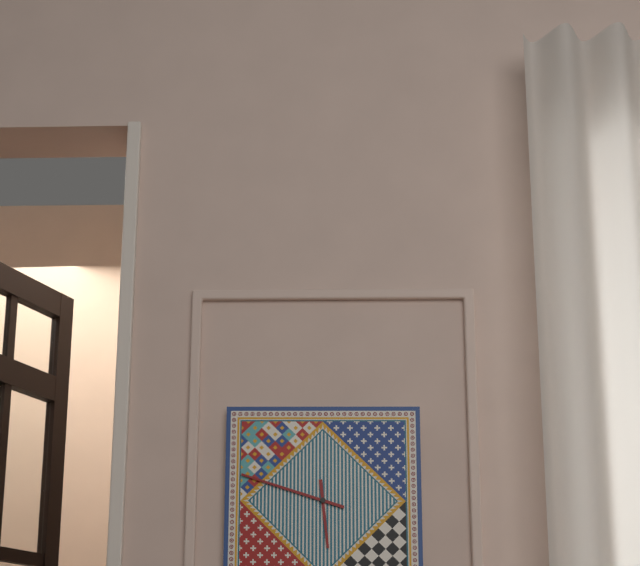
5.48
